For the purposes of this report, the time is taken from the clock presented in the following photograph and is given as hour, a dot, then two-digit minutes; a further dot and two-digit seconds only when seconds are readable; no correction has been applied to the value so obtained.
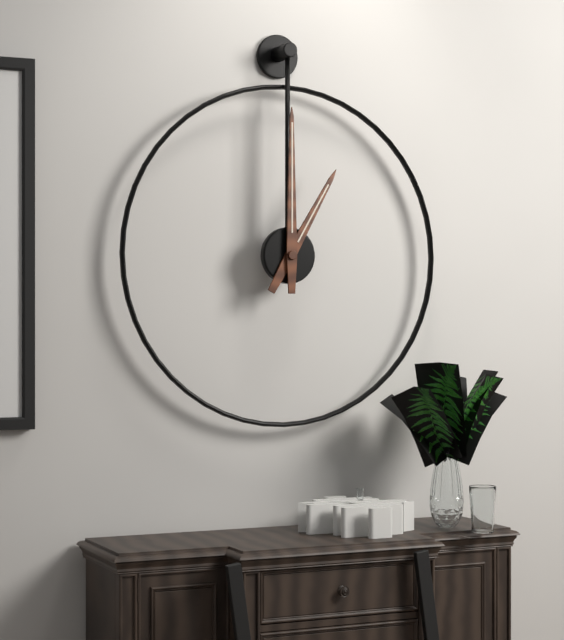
1.00
